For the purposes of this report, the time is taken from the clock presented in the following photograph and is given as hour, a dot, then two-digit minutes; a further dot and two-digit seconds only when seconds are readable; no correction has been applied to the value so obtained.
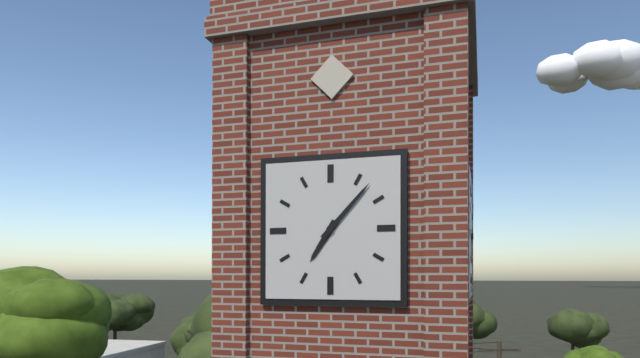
7.07
